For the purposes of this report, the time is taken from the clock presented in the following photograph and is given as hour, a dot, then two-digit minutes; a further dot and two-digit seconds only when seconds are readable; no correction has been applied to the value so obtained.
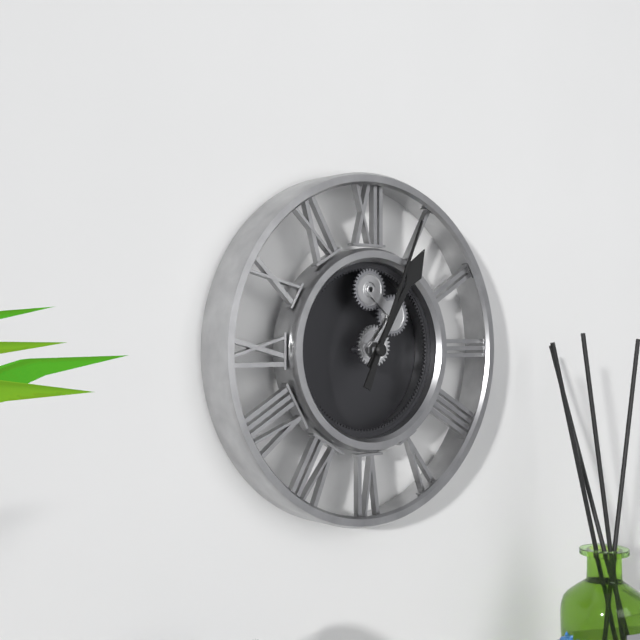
1.04
